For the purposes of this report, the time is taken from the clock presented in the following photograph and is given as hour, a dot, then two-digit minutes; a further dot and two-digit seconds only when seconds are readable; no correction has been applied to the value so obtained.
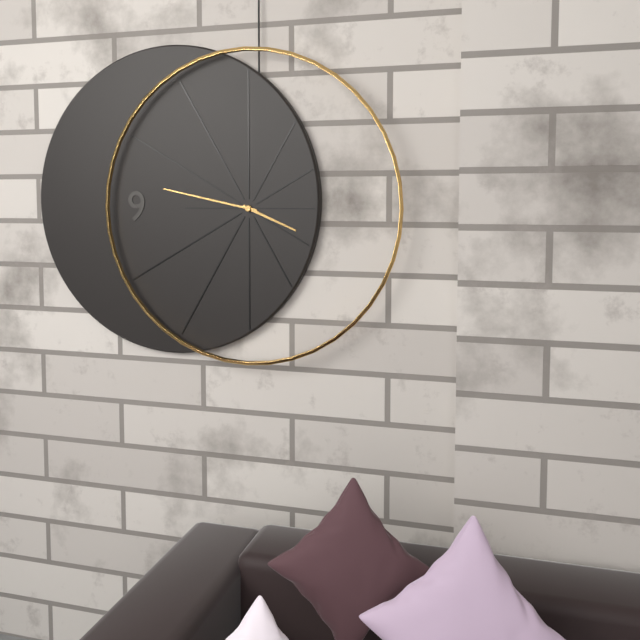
3.47
